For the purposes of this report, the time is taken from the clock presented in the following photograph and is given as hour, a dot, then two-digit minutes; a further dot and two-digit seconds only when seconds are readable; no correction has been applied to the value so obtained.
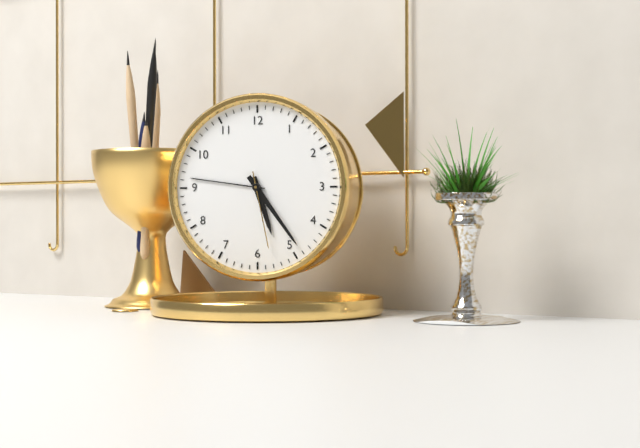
5.24.28
